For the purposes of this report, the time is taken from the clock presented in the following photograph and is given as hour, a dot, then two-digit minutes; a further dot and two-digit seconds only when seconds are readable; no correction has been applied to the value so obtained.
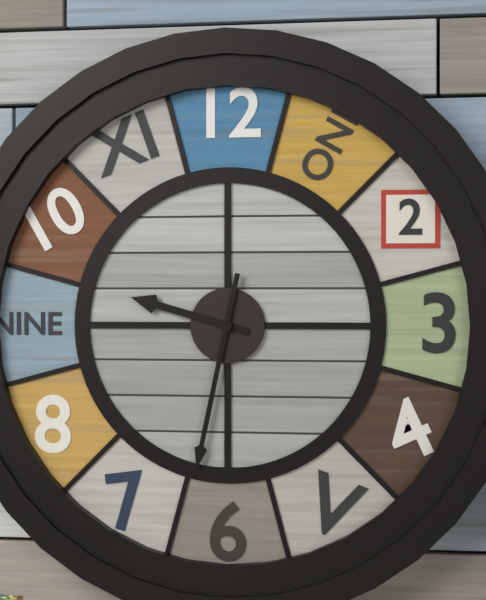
9.32
